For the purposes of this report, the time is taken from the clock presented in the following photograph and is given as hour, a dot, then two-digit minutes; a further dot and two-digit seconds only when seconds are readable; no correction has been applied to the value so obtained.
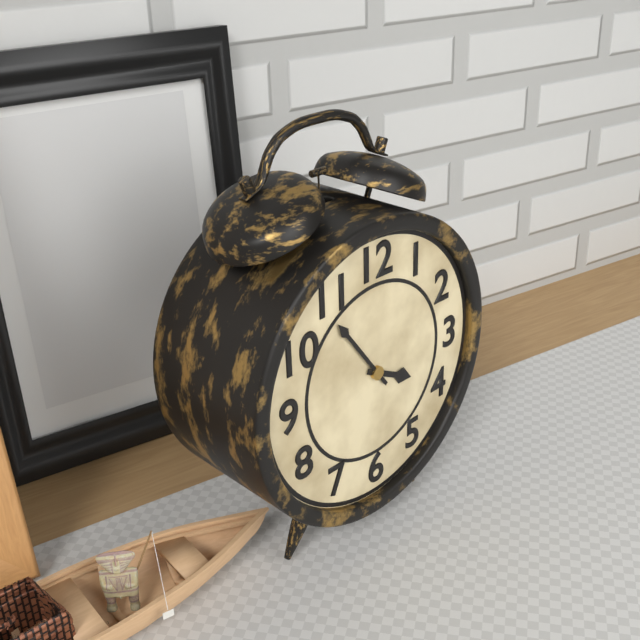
3.54
